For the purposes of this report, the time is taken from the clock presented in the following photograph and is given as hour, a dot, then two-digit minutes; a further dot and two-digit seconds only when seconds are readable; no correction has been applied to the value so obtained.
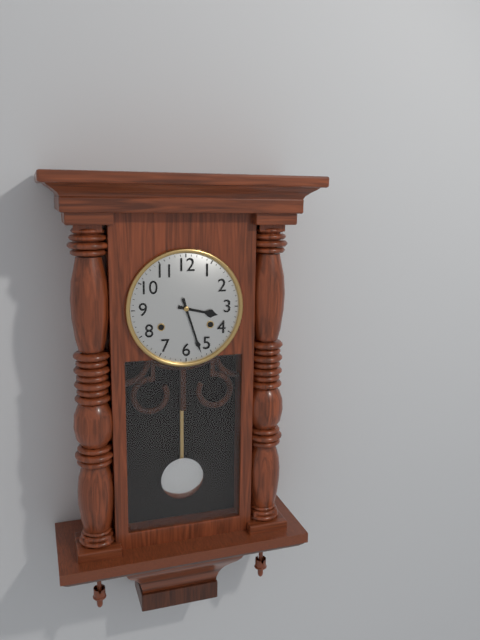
3.27
